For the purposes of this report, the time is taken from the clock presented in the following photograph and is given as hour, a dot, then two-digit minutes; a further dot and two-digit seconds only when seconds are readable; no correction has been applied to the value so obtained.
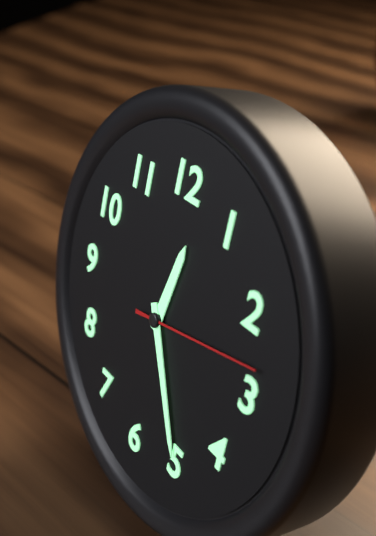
12.25.13
